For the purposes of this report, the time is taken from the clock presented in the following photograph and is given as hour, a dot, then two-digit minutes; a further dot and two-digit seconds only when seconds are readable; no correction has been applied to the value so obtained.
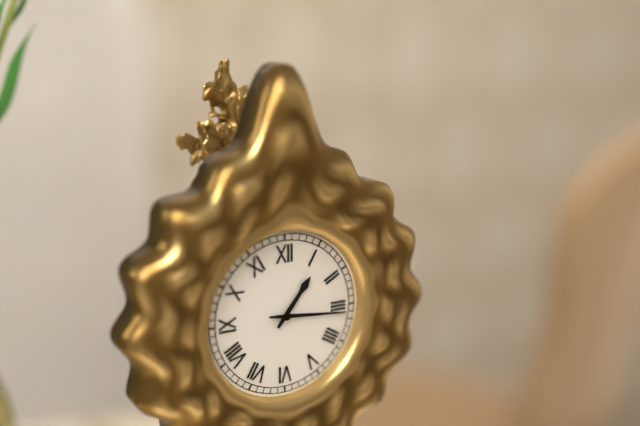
1.16
